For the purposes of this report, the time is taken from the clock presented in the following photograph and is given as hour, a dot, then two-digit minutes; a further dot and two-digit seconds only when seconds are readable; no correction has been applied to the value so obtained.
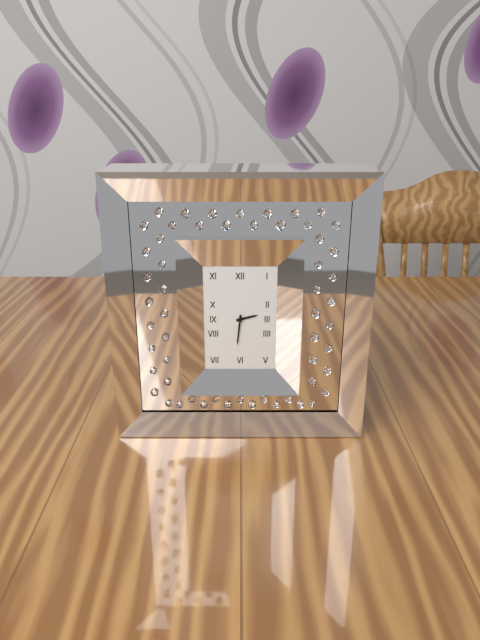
2.31
